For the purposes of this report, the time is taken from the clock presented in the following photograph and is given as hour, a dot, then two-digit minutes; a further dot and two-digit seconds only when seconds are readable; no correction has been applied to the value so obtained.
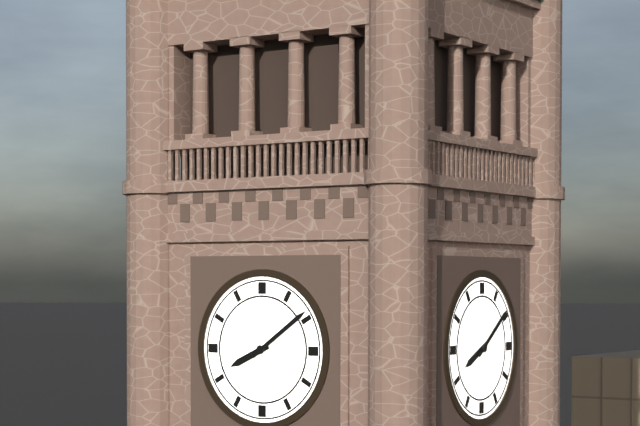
8.09
